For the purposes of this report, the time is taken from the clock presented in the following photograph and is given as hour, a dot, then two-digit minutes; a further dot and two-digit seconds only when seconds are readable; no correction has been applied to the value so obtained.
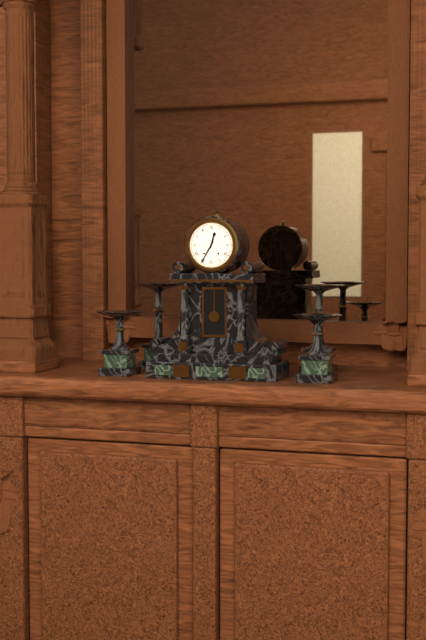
12.35
